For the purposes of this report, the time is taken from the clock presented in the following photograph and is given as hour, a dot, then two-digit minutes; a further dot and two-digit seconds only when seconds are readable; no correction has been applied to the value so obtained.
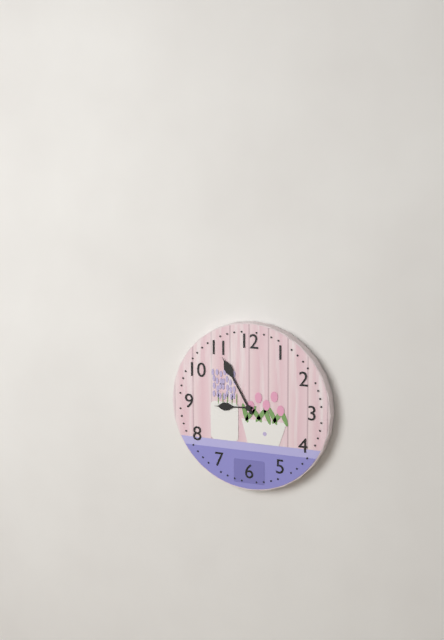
8.55
